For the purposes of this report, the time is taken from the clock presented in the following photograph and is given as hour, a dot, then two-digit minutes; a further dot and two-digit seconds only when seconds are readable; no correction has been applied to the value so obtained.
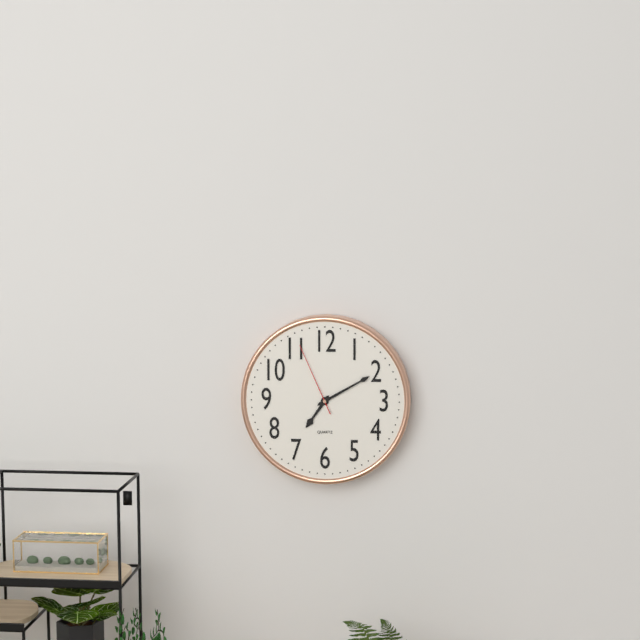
7.10.56
